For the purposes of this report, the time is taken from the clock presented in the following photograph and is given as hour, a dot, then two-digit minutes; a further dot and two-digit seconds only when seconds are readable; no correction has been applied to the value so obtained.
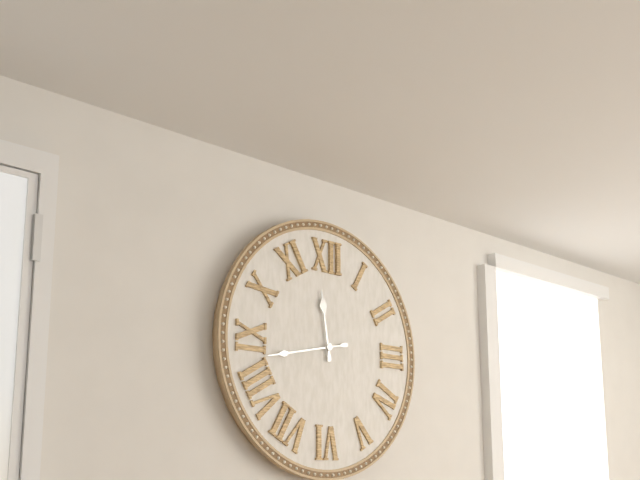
11.43
